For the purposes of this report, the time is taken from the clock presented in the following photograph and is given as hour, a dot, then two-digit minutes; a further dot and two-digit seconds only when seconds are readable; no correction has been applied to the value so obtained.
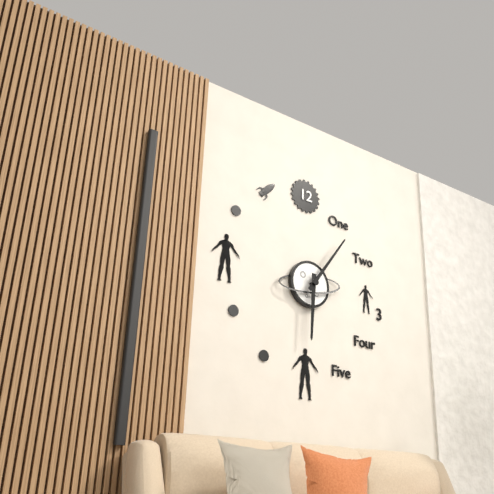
6.06
